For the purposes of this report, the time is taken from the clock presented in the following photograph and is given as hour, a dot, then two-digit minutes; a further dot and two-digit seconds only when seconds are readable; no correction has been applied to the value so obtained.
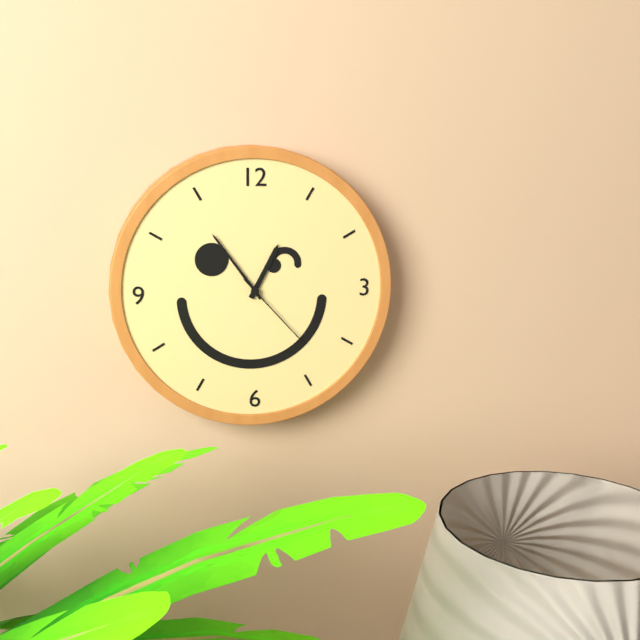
12.54.23
